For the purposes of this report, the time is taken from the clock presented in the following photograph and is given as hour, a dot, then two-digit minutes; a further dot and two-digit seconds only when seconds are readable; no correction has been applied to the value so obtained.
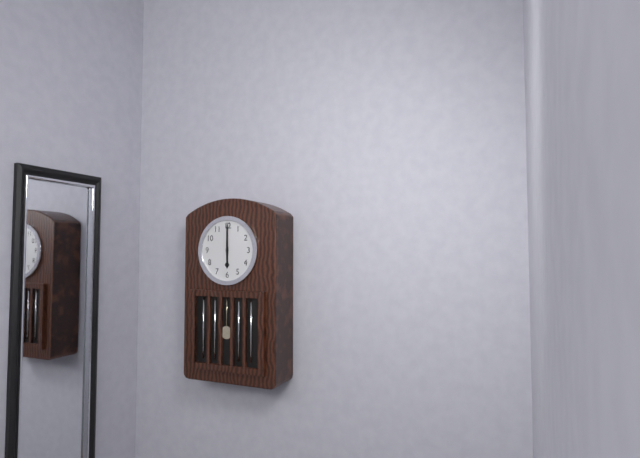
6.00
